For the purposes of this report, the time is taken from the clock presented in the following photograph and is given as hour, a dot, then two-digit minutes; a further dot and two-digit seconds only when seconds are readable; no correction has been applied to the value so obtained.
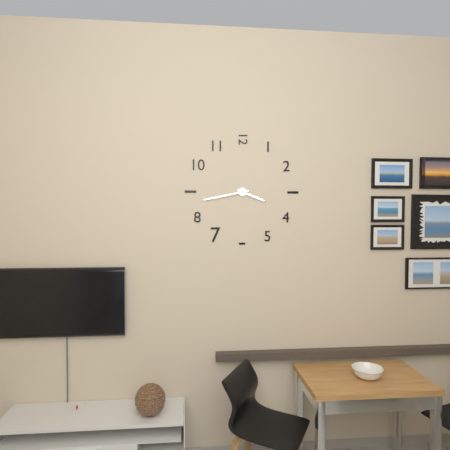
3.43
